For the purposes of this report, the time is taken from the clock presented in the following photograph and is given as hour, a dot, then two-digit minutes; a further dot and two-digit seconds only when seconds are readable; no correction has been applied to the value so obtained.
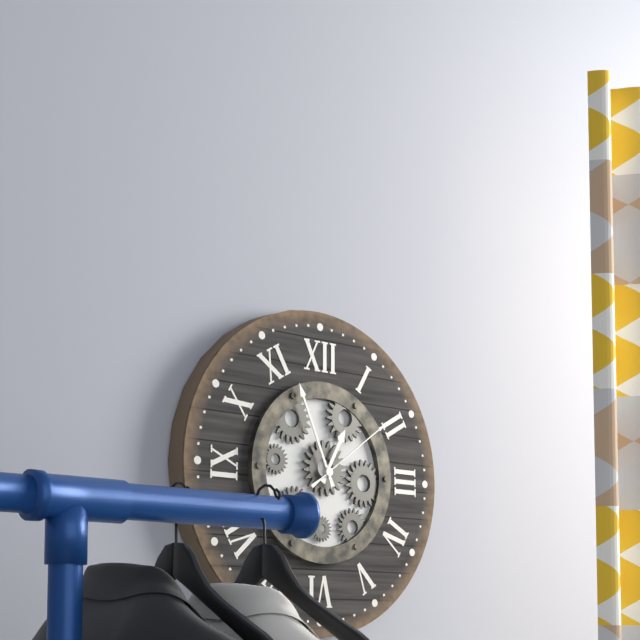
12.56.09
